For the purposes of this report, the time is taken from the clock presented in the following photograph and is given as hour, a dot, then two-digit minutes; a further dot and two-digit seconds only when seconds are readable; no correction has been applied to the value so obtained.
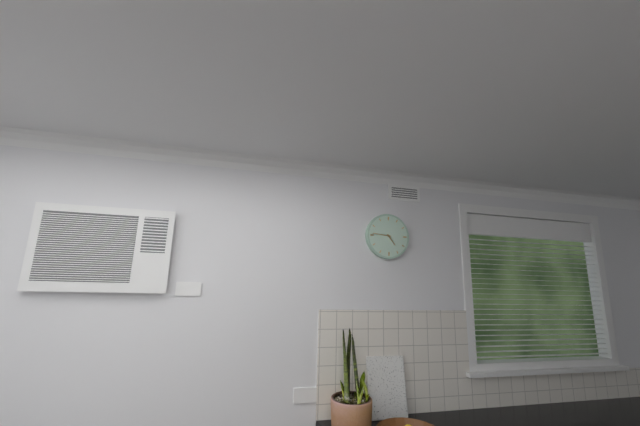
4.46
